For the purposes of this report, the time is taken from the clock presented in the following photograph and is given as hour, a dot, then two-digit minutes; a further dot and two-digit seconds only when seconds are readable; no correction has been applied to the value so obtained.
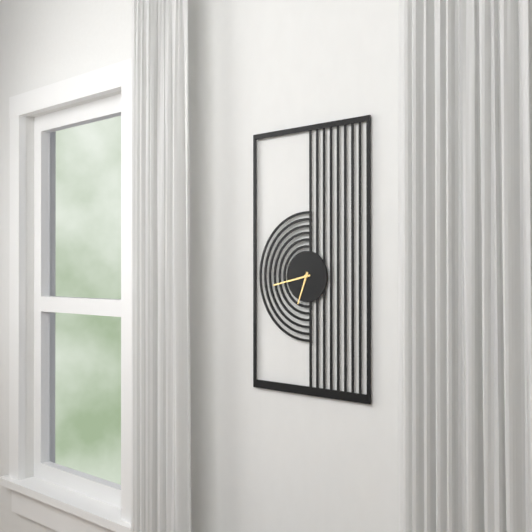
6.43
